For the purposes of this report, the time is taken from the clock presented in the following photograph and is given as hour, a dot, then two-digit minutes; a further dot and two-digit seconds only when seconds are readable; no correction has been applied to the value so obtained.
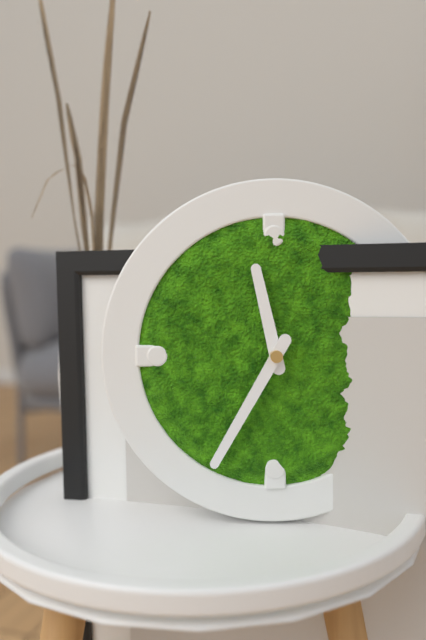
11.35
